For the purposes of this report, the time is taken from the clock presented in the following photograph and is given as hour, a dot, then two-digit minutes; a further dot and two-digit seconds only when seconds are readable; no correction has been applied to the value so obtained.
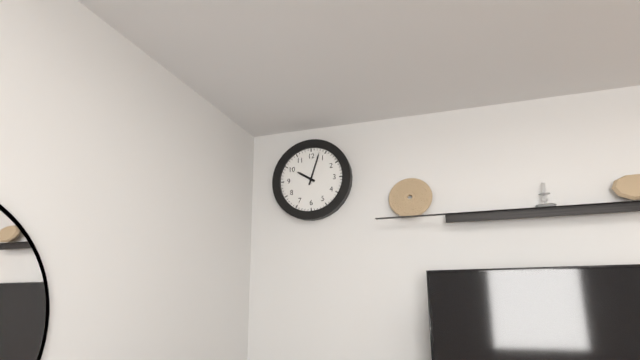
10.03
